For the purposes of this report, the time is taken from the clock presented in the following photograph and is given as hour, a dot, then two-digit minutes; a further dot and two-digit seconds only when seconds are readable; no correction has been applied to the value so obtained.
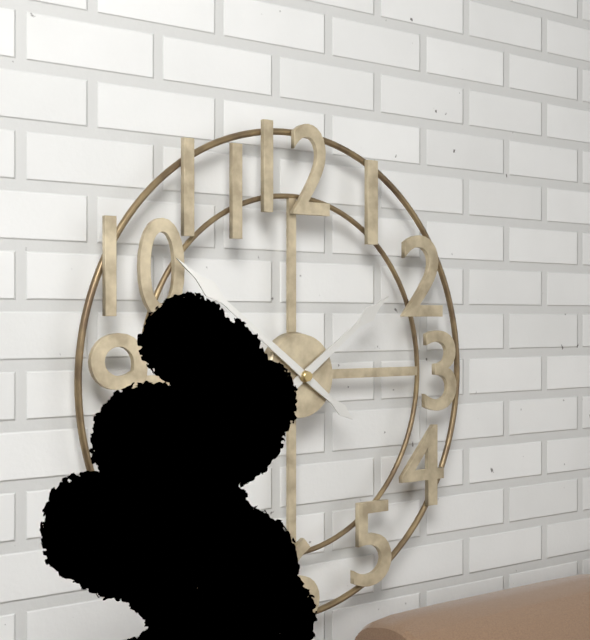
1.51
